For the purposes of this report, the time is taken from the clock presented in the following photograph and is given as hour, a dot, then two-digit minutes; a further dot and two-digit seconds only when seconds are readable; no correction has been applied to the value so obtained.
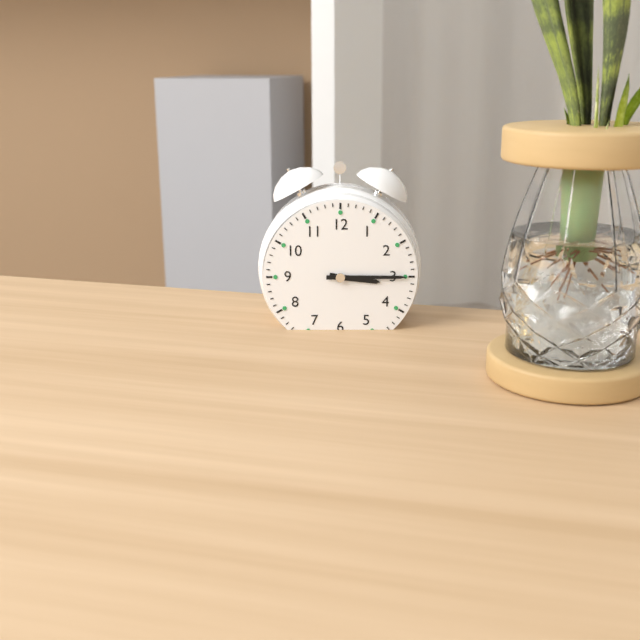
3.15
